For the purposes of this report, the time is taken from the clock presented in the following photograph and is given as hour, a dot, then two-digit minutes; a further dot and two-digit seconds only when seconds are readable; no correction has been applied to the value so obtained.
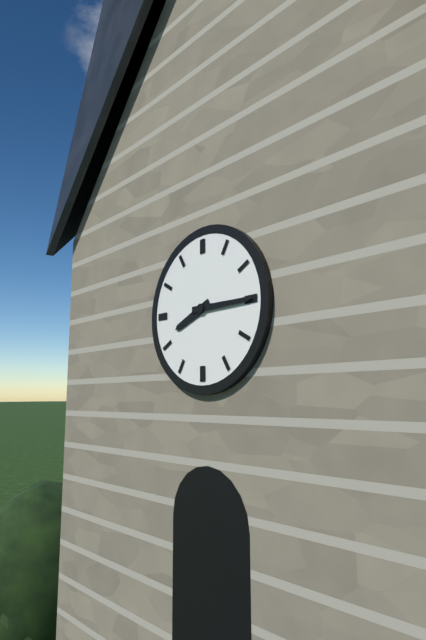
8.15
